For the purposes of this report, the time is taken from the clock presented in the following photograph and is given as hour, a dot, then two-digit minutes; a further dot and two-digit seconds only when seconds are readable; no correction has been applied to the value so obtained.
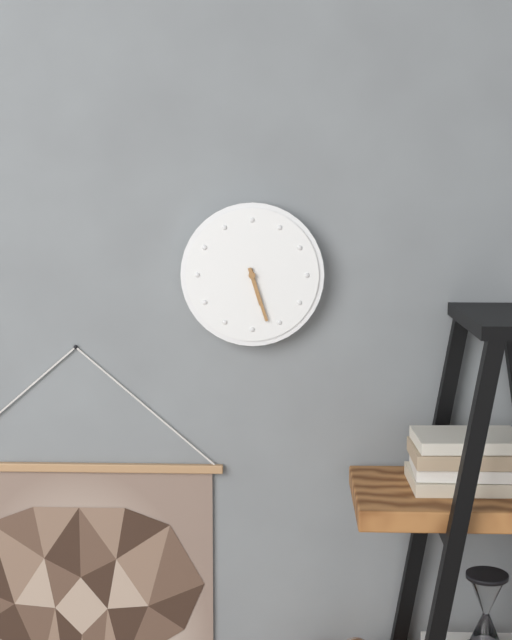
5.27
